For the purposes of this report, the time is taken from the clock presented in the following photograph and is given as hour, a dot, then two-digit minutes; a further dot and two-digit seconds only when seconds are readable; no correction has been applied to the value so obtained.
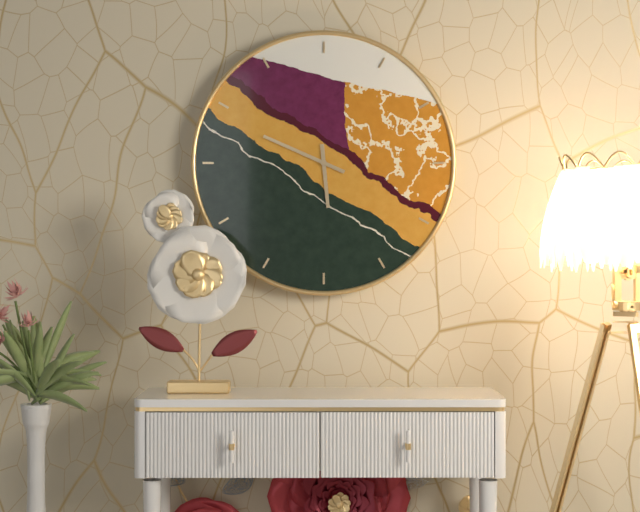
5.49
